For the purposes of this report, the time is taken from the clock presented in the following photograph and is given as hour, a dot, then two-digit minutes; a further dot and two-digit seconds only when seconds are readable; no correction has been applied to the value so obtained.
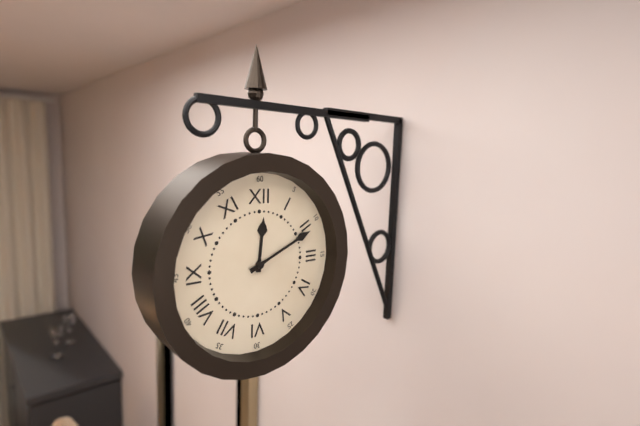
12.11
